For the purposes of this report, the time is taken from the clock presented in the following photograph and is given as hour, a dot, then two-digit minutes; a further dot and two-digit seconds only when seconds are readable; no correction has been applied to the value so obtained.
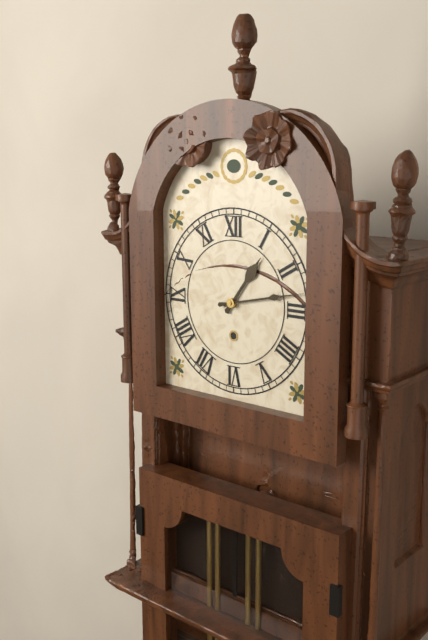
1.13
